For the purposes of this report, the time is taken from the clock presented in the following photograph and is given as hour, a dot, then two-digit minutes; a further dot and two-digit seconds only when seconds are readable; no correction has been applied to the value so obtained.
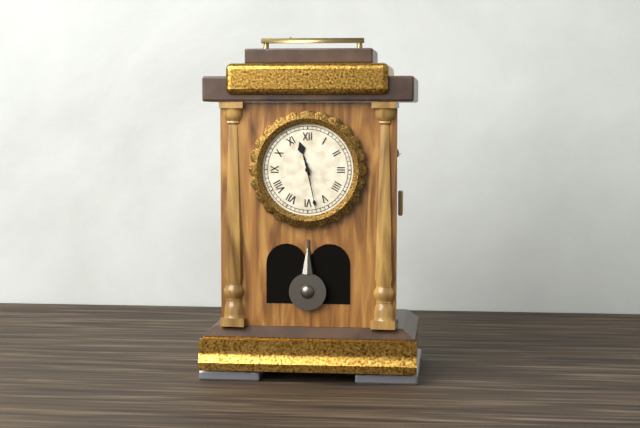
11.28
